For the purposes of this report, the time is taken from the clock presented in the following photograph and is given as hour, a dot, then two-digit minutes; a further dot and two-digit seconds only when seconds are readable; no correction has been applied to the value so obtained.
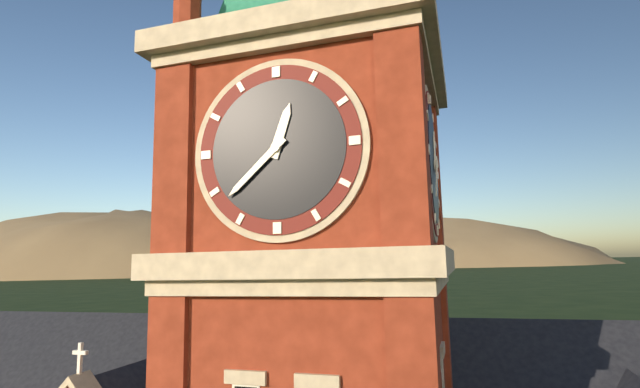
12.38
